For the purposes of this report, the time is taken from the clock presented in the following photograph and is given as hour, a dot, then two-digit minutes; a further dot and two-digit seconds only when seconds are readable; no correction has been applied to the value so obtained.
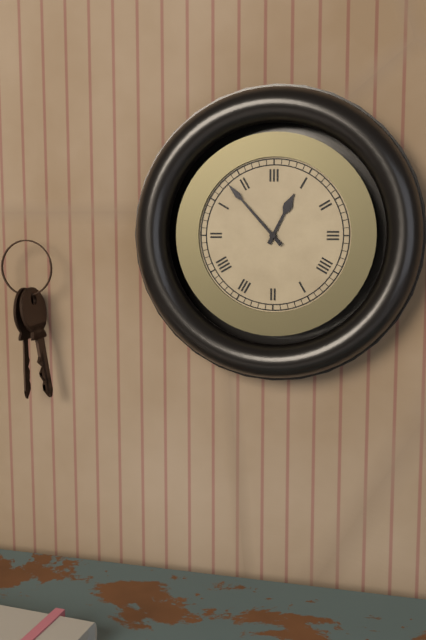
12.53
